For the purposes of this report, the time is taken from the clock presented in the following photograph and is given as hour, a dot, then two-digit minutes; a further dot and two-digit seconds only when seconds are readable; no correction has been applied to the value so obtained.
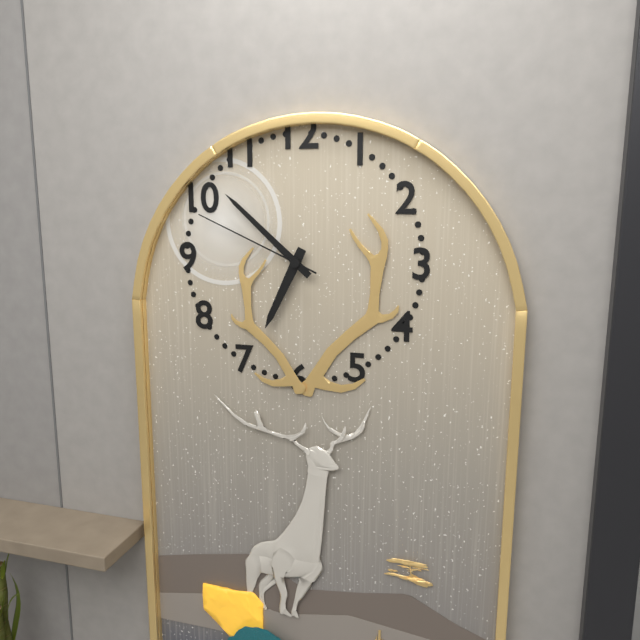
6.52.49
